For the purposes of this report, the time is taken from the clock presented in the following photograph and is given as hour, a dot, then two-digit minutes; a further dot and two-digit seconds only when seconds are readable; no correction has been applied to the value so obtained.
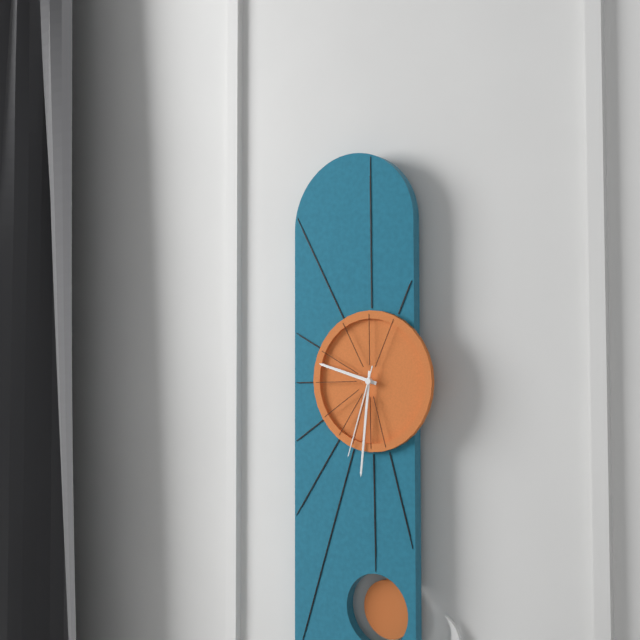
9.31.33
